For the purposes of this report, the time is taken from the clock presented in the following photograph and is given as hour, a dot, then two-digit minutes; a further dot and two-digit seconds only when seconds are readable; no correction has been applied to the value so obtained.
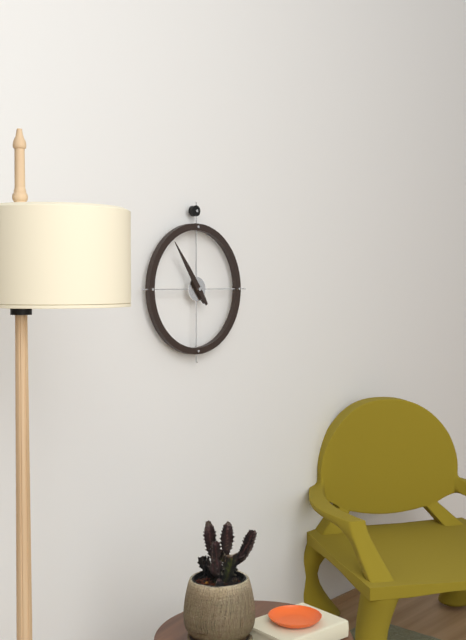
10.54
